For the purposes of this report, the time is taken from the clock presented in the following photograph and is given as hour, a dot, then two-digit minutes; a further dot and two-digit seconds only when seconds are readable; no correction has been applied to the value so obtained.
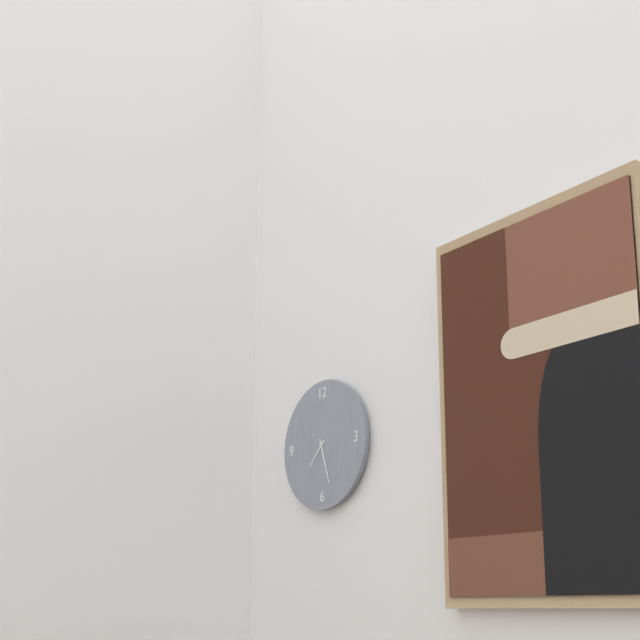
7.27
